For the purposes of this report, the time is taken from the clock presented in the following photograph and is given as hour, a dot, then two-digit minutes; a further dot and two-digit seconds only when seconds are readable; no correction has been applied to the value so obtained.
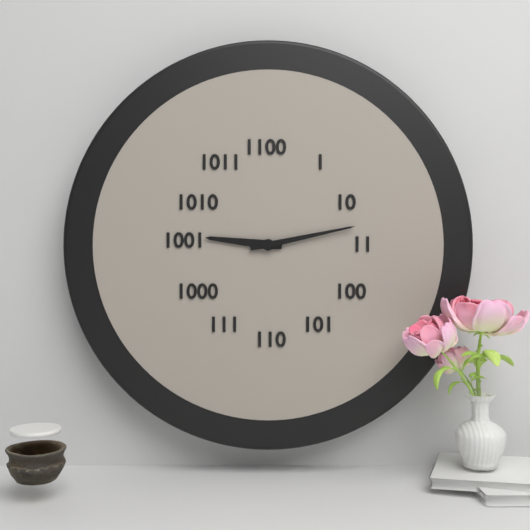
9.13
